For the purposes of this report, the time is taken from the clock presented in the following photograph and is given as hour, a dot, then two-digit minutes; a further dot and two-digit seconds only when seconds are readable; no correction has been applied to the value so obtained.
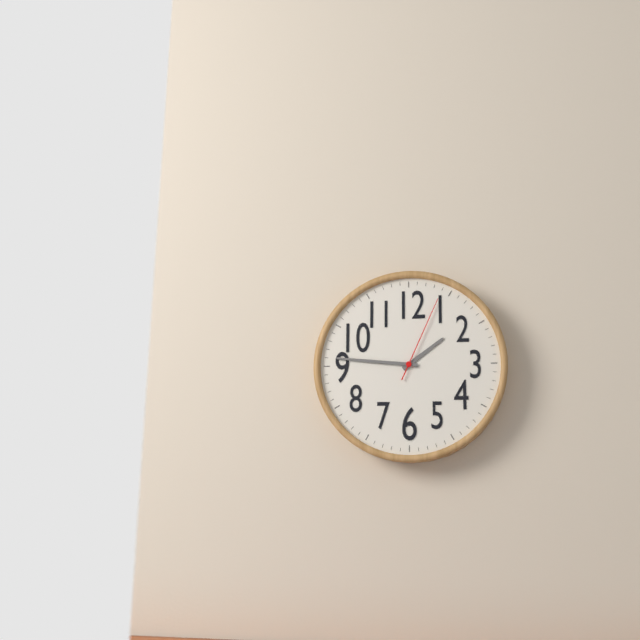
1.46.04
